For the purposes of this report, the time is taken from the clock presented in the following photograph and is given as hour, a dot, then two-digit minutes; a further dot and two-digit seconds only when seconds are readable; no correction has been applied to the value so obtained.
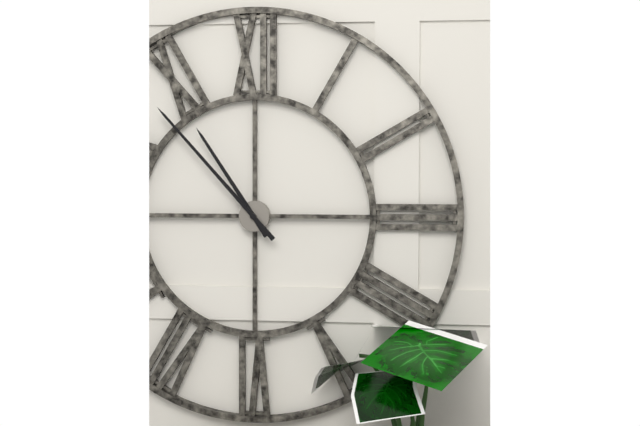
10.53
